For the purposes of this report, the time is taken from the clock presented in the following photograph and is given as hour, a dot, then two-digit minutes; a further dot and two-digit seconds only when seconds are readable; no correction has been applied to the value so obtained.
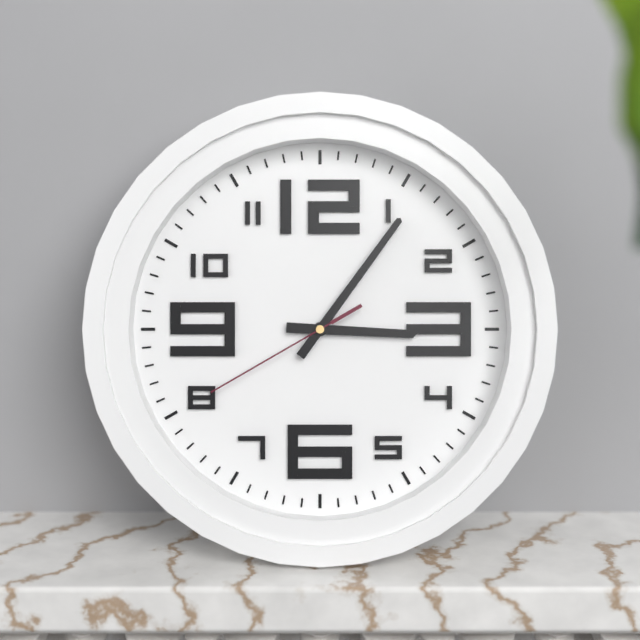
3.06.40
